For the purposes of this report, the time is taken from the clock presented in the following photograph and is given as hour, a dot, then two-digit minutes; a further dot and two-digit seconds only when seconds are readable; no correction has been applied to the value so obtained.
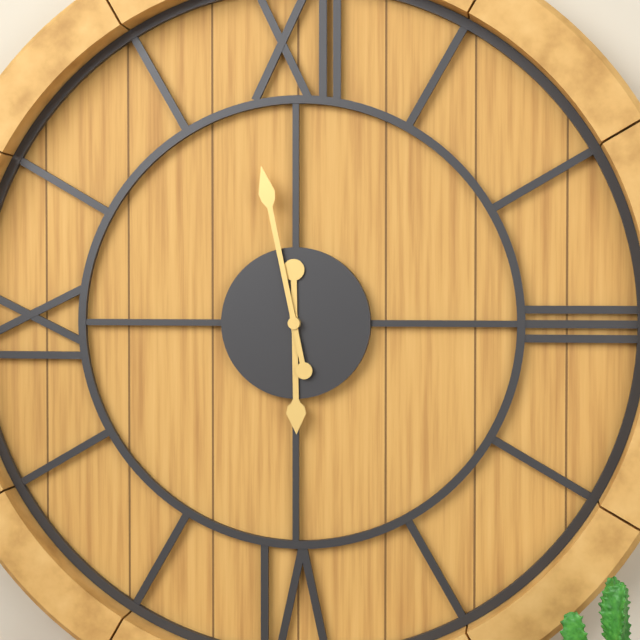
5.58
